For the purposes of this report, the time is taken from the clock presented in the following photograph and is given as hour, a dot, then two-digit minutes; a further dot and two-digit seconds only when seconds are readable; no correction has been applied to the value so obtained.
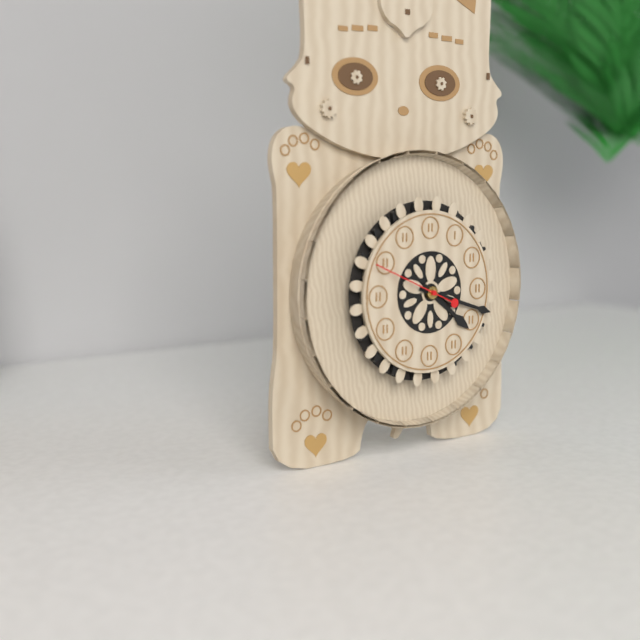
4.18
